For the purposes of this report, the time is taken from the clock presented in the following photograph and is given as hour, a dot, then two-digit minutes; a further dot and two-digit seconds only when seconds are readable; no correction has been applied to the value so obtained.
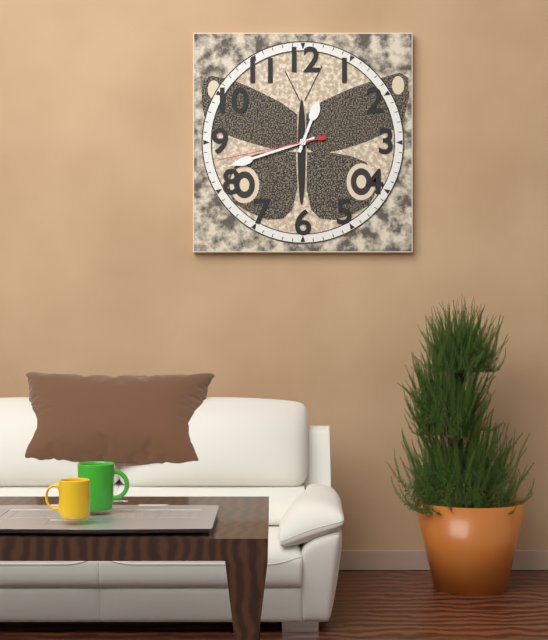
12.42.43
